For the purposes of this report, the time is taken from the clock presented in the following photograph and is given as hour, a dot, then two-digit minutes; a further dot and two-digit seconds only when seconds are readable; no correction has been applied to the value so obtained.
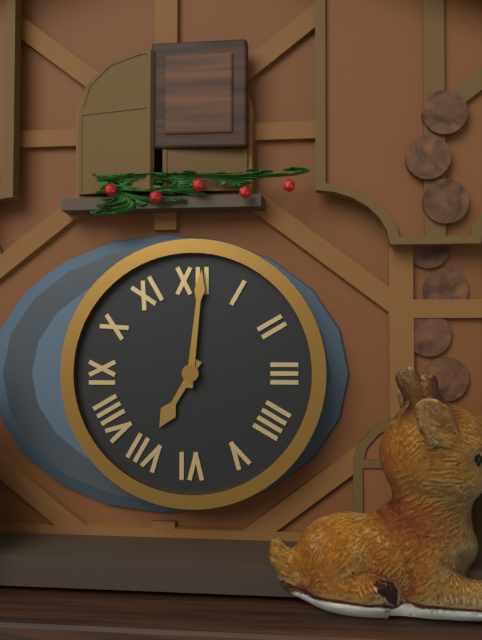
7.01
